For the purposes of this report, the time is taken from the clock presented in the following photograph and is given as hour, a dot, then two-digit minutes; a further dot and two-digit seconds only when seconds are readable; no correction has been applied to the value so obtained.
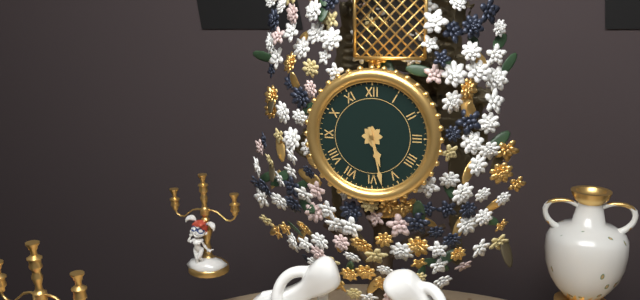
5.28
